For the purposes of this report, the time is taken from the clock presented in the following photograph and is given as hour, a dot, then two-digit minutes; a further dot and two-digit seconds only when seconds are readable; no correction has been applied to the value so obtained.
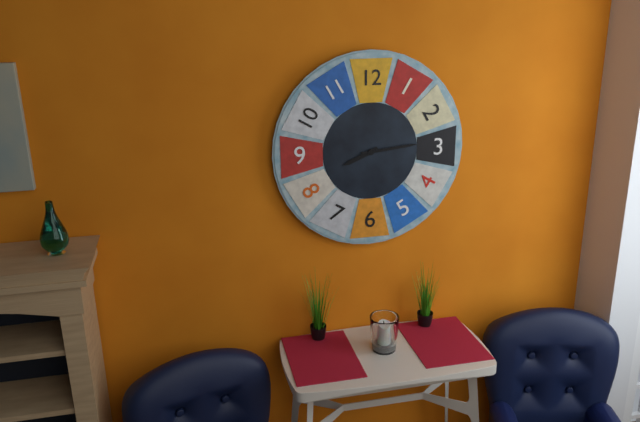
8.14
